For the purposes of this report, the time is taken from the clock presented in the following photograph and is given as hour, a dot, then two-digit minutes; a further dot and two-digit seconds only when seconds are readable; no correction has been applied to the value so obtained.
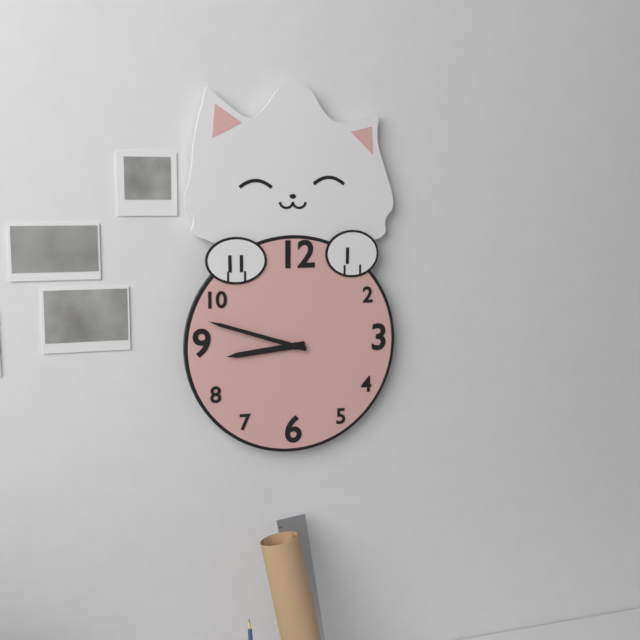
8.48
